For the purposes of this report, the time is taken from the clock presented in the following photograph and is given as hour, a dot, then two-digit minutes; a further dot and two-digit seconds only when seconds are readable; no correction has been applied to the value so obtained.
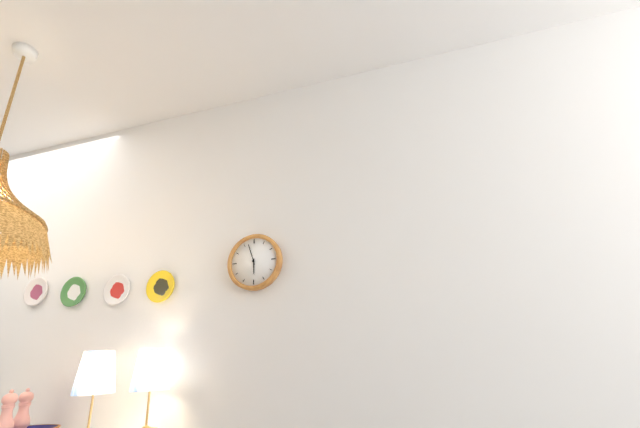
5.57
